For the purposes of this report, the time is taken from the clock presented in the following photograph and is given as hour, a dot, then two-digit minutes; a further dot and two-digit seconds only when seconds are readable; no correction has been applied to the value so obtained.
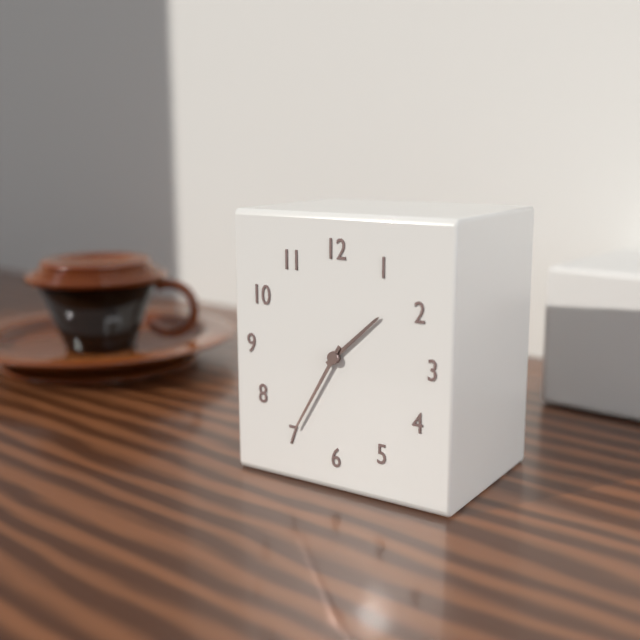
1.35
